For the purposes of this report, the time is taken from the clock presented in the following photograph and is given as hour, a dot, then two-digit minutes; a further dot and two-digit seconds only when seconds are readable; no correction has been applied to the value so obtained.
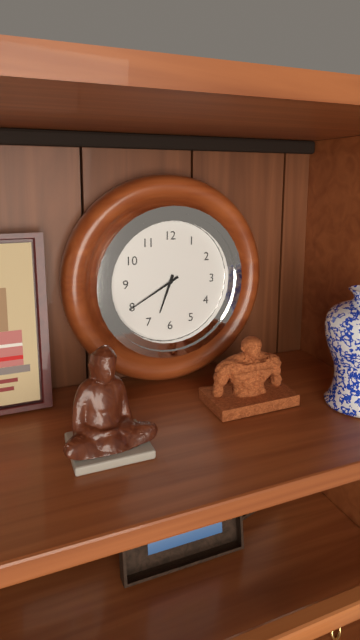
6.40
